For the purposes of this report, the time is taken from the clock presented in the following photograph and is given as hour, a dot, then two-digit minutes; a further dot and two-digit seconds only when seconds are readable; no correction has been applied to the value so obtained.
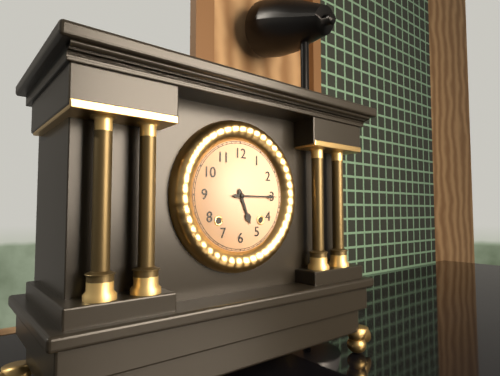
5.15
